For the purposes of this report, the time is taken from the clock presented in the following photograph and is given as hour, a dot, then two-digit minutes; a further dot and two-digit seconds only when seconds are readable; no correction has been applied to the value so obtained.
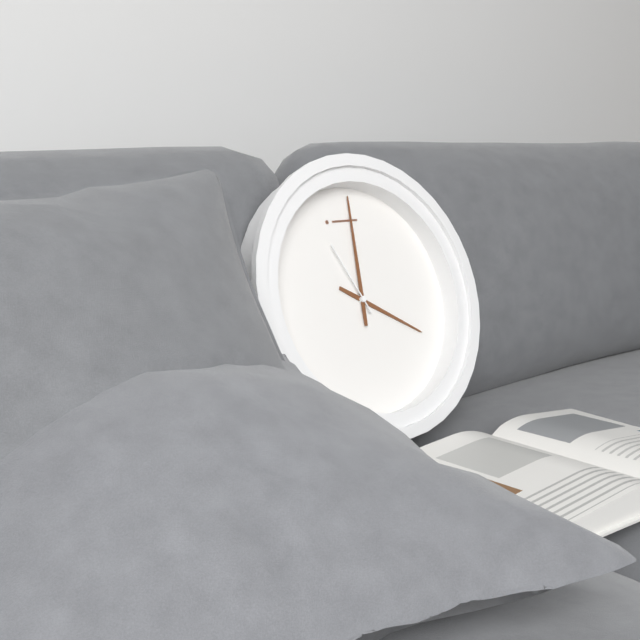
4.01.56
